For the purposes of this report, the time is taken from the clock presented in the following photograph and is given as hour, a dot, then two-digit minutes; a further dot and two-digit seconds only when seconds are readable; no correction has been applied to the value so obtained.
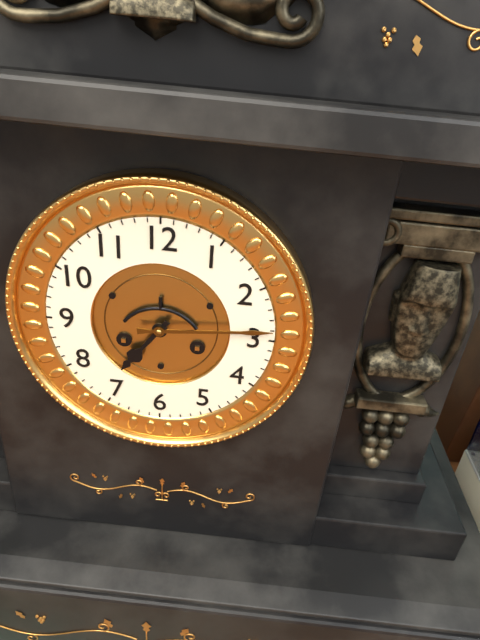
7.14
